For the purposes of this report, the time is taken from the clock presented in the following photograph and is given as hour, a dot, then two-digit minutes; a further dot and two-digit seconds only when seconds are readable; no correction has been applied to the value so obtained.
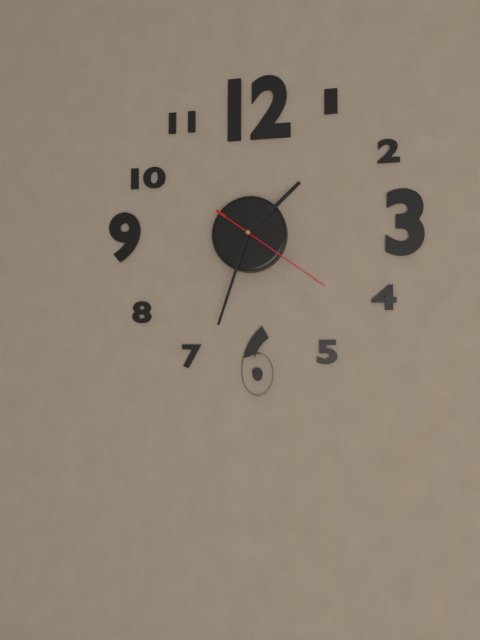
1.33.21
